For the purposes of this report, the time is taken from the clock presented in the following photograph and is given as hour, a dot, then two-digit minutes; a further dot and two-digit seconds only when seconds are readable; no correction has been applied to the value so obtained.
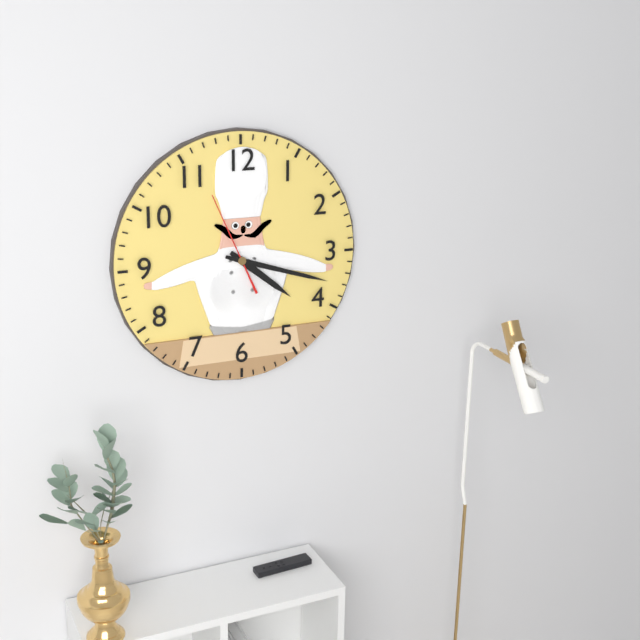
4.18.56
